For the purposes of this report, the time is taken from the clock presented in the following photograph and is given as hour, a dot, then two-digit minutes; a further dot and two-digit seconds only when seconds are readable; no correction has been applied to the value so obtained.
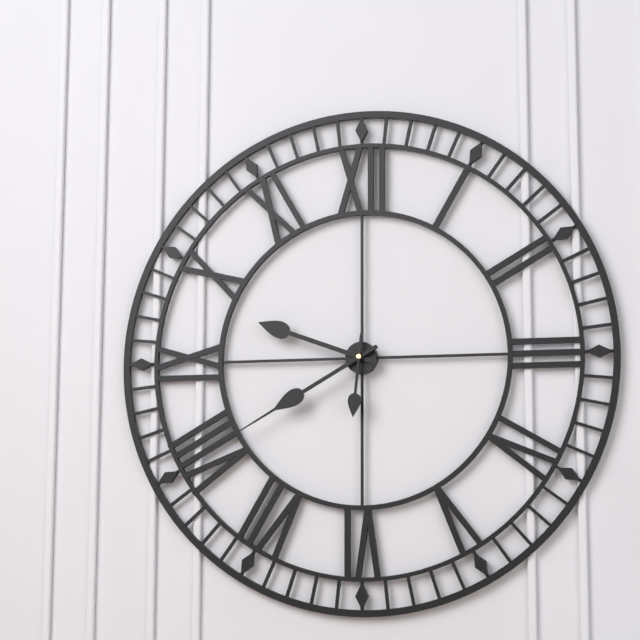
9.40.31
